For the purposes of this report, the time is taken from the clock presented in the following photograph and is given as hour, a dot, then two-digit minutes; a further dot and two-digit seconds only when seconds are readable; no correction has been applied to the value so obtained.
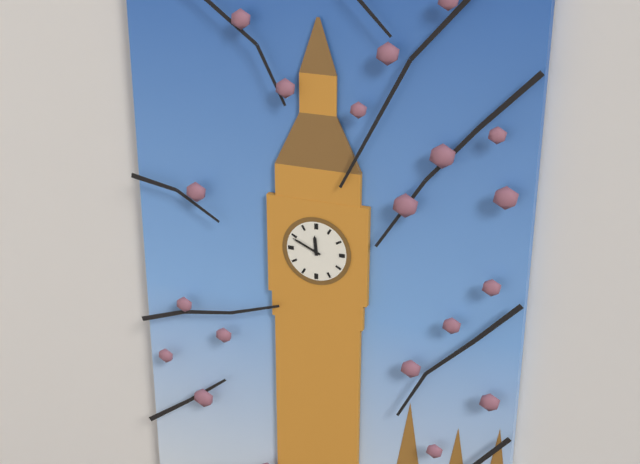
11.49
